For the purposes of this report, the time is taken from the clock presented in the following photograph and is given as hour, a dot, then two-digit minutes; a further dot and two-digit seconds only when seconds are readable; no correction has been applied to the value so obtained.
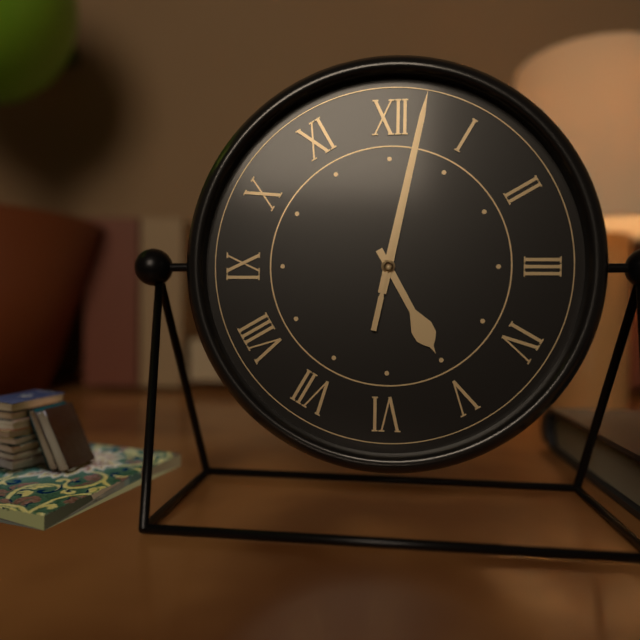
5.02.02
